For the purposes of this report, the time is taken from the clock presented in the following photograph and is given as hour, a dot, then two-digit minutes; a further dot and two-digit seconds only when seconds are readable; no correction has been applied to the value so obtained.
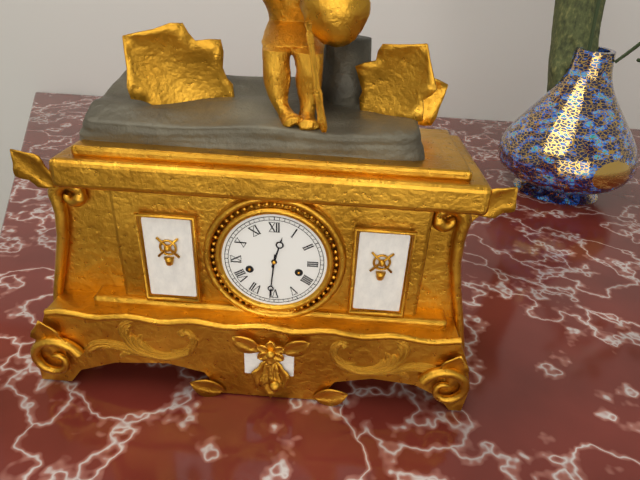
12.31
